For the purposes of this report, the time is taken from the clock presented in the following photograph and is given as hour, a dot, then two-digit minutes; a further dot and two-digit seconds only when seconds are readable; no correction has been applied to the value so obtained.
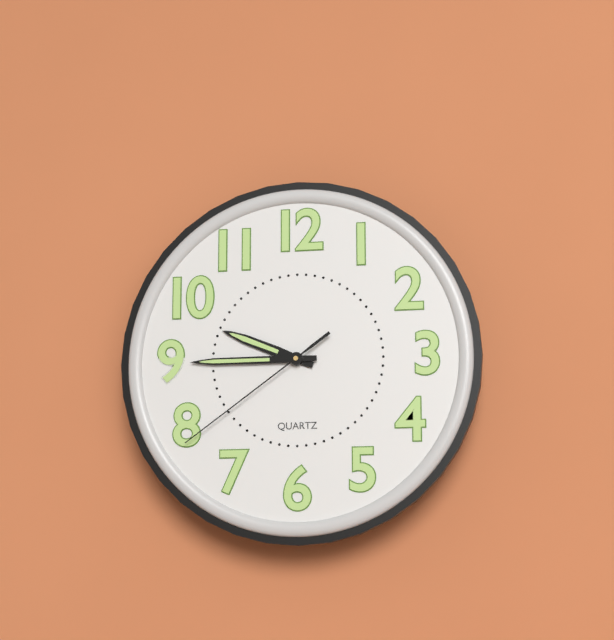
9.45.39
